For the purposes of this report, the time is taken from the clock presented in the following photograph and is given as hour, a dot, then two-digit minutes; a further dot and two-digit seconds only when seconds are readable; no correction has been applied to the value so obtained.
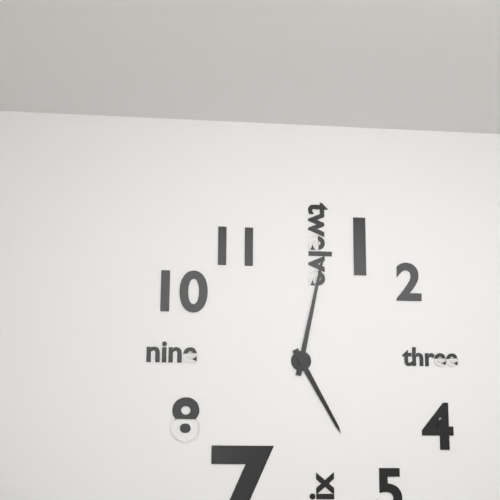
5.02
